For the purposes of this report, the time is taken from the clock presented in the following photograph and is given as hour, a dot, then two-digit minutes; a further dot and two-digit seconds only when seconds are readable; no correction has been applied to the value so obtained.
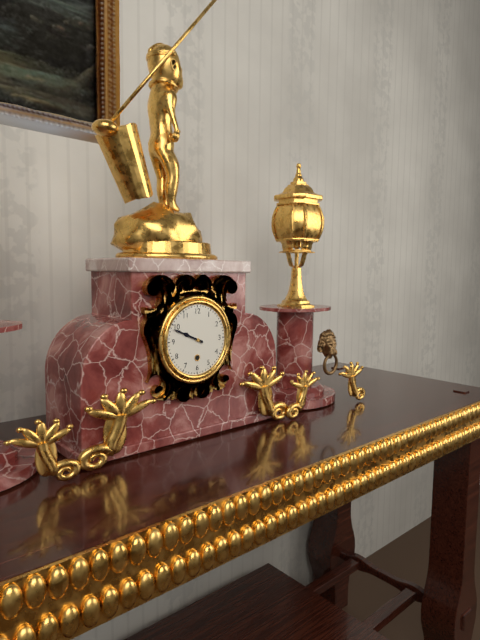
9.49
